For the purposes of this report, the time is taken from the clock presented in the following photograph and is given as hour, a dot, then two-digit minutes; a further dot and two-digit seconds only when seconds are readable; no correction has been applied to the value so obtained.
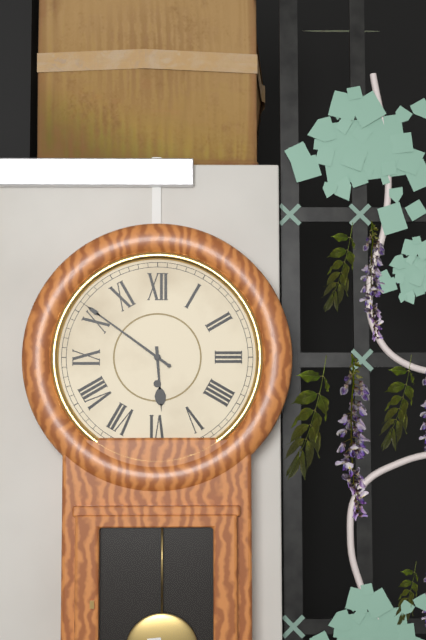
5.51
